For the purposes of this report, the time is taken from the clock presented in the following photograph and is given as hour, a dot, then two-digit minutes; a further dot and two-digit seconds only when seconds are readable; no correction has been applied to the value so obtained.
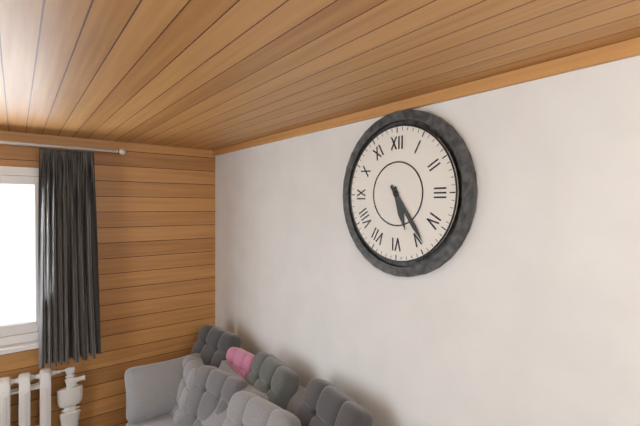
5.24
